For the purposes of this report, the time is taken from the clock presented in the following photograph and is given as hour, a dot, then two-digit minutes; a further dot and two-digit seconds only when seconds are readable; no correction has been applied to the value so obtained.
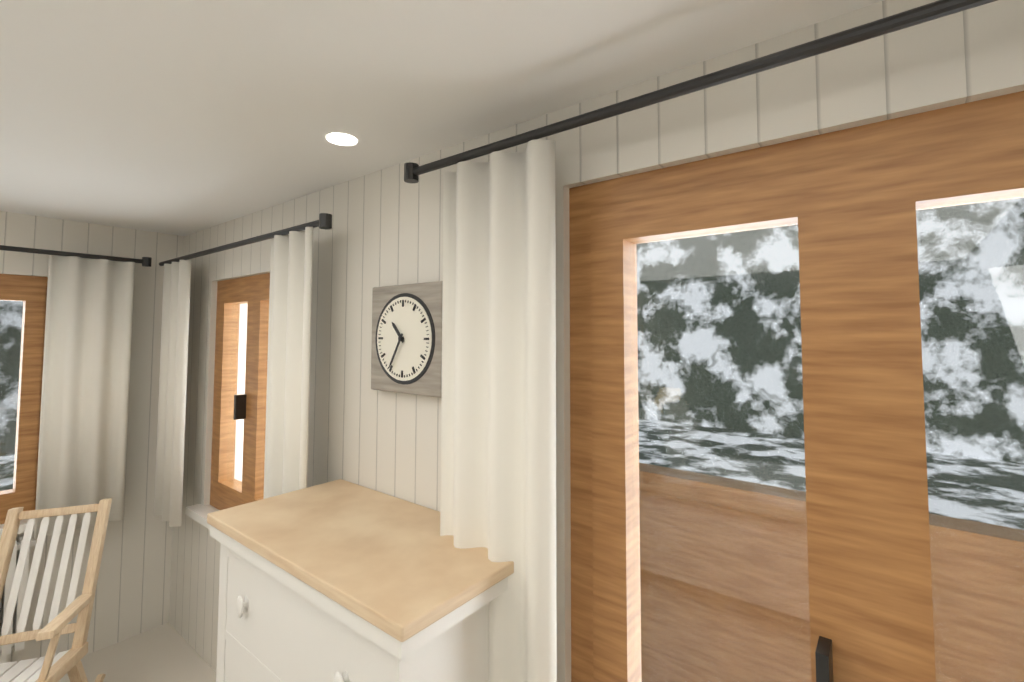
10.35
